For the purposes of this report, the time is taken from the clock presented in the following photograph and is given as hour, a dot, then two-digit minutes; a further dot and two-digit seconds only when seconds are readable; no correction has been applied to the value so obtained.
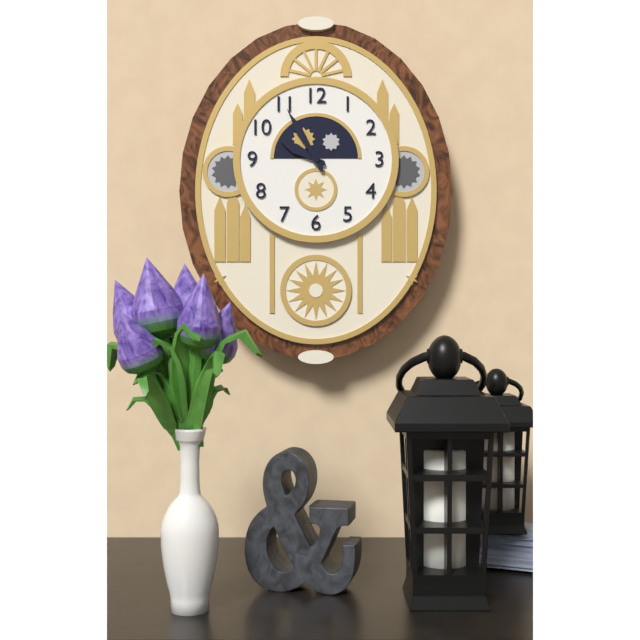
9.55
